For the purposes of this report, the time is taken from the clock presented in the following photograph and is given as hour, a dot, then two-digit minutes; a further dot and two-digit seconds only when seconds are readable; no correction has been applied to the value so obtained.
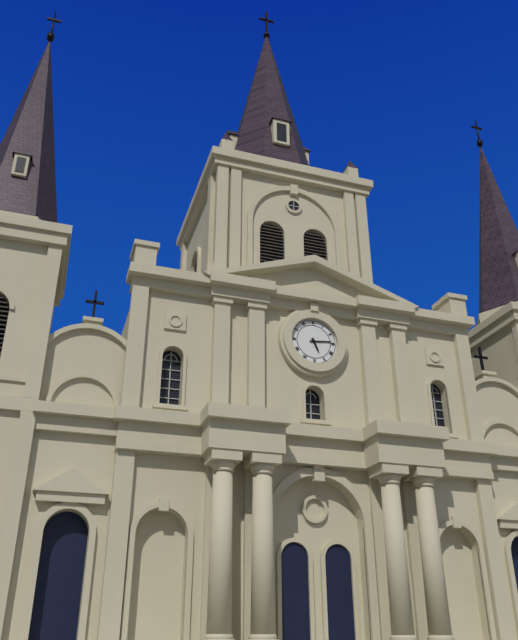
5.14
